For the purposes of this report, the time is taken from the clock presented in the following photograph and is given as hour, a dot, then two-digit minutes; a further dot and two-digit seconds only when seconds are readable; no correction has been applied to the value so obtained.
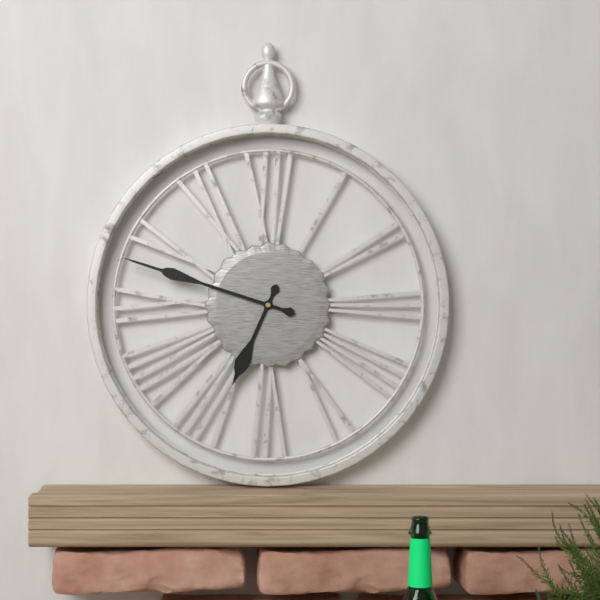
6.48
